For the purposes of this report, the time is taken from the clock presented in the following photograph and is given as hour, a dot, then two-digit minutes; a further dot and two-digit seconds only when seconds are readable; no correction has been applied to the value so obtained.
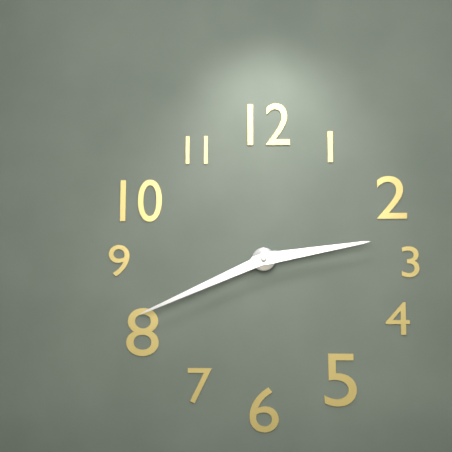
2.41
